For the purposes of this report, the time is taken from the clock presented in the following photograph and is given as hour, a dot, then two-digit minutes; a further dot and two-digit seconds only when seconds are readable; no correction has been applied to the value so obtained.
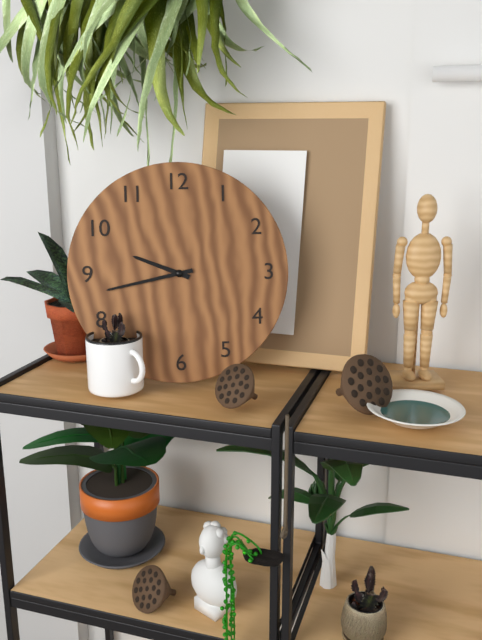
9.43
